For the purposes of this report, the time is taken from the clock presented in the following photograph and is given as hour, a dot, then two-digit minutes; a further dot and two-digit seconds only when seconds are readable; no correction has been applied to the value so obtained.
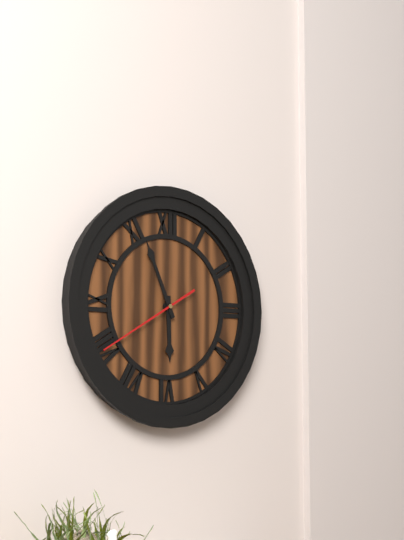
5.56.40
